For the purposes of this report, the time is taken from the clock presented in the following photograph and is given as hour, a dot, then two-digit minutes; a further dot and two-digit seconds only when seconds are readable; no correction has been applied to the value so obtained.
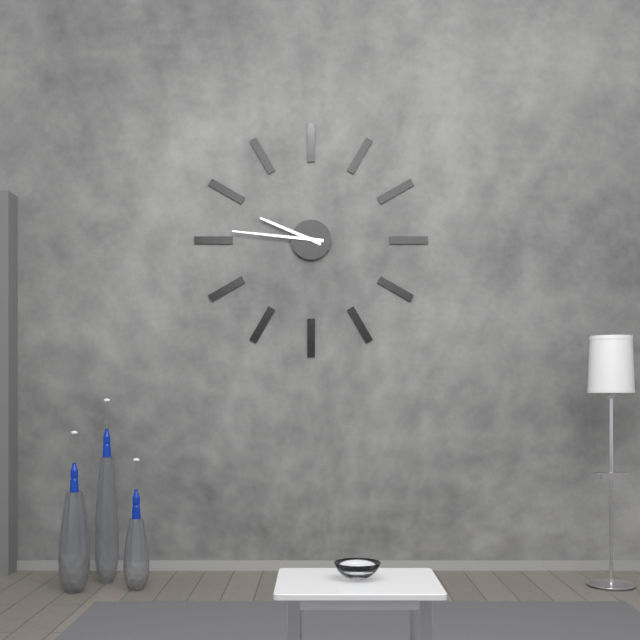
9.46
